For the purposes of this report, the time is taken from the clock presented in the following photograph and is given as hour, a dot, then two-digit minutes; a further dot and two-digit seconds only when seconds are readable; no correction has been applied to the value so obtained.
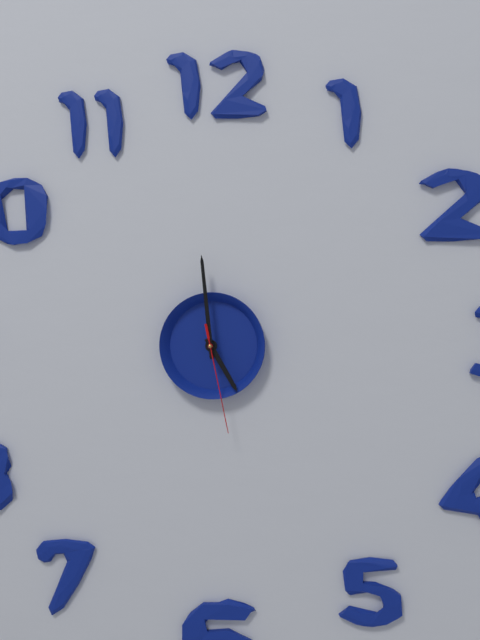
4.59.28
